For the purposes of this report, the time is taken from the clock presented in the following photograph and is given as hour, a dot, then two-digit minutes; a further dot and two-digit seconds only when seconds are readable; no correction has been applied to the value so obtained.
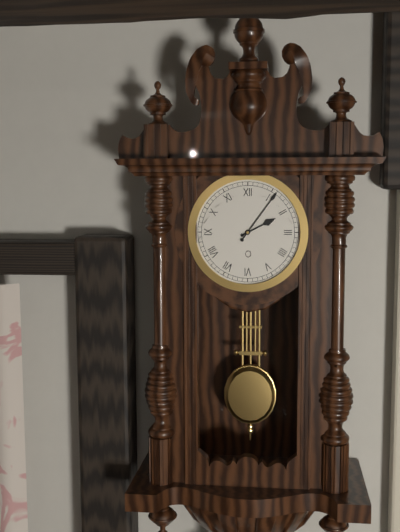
2.06
